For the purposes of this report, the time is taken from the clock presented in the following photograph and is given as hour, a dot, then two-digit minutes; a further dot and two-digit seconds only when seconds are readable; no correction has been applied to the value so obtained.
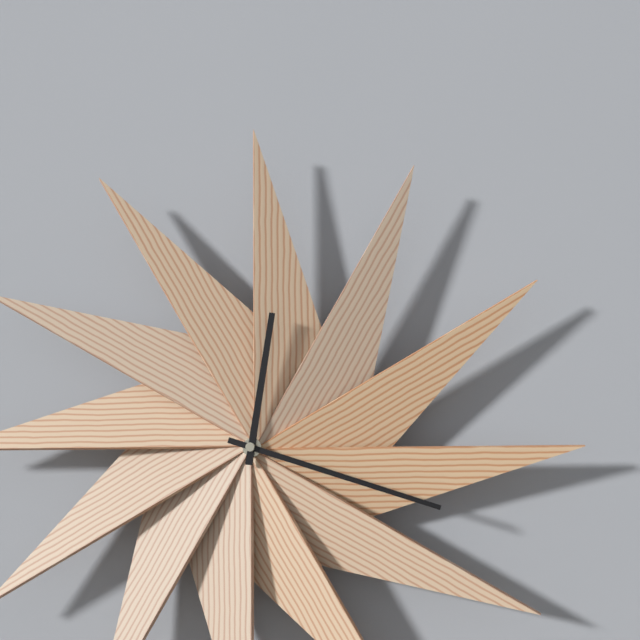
12.18
